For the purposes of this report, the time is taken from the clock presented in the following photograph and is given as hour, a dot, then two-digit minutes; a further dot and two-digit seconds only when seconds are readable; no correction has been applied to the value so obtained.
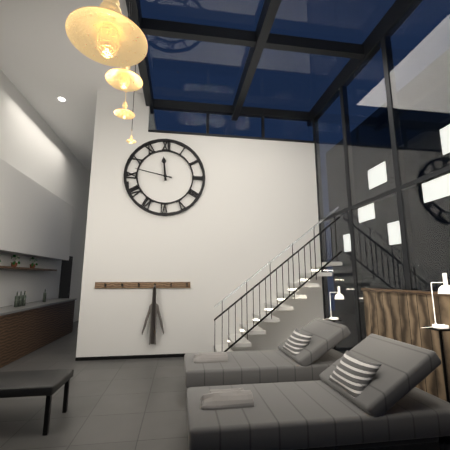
11.47
